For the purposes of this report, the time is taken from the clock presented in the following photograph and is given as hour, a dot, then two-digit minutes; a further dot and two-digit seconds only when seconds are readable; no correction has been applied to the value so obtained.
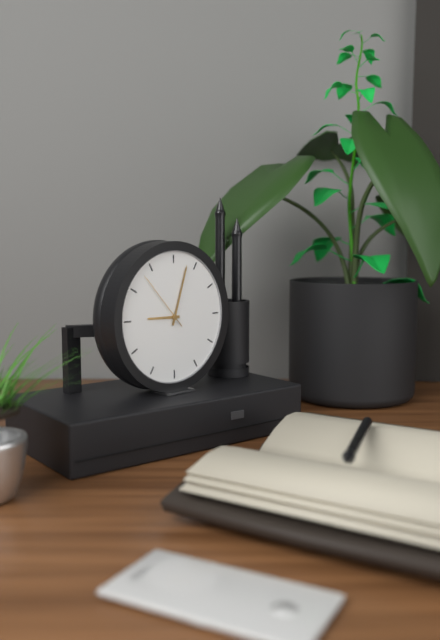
9.03.53
